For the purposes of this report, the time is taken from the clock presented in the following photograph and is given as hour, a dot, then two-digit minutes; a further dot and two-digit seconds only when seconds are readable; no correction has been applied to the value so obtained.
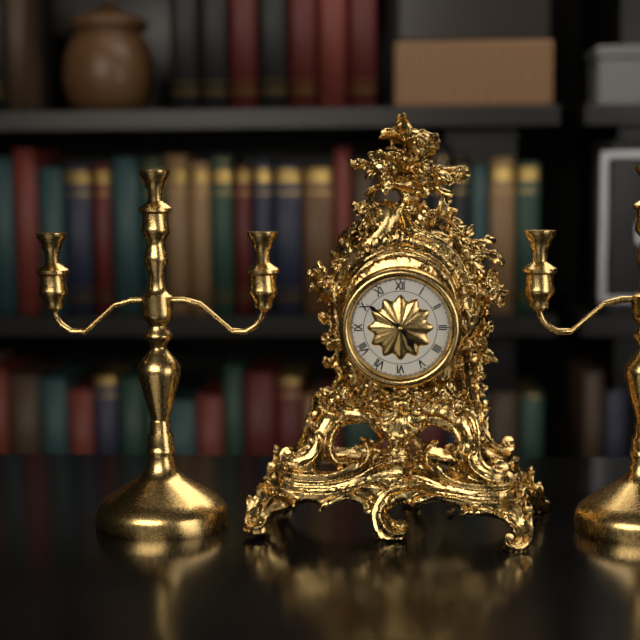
4.51
